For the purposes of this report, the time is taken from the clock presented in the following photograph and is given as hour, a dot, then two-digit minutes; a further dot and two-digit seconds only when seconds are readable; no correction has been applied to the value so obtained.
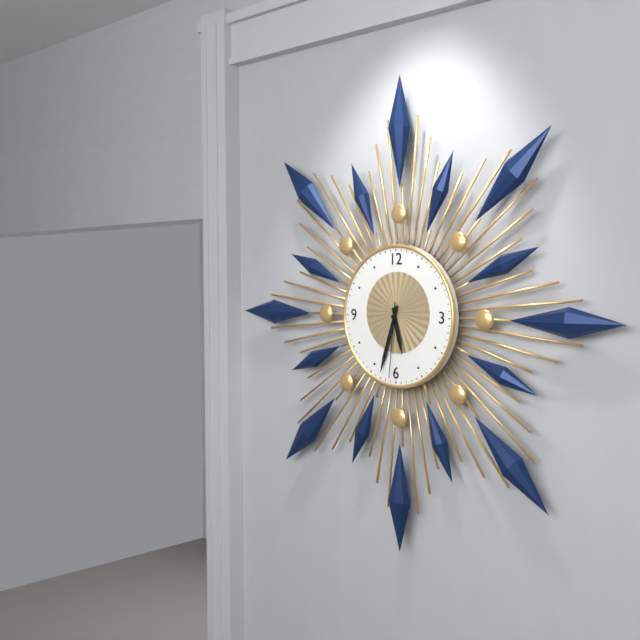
5.33.31
